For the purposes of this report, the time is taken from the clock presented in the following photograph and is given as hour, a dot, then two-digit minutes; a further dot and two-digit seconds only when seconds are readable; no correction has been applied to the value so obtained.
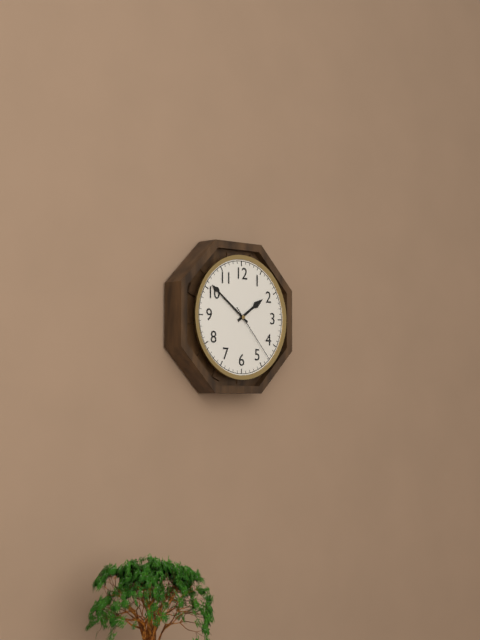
1.51.23
